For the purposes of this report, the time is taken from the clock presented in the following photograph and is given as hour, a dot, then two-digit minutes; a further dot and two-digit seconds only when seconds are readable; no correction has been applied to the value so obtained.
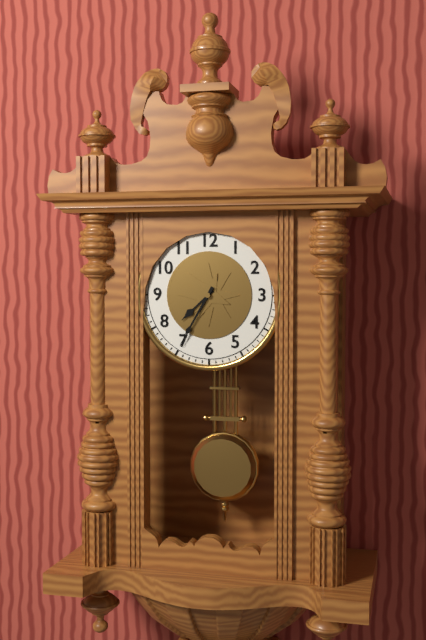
7.35
